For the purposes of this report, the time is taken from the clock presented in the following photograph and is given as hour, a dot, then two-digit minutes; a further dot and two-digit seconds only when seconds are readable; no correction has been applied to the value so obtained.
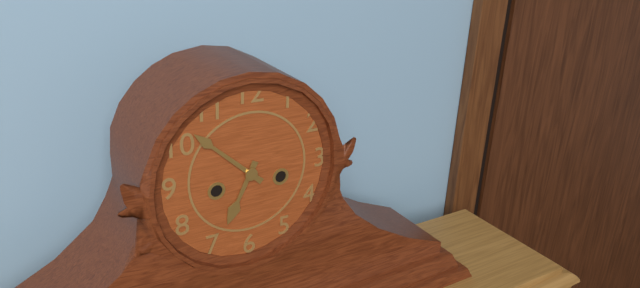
6.52
